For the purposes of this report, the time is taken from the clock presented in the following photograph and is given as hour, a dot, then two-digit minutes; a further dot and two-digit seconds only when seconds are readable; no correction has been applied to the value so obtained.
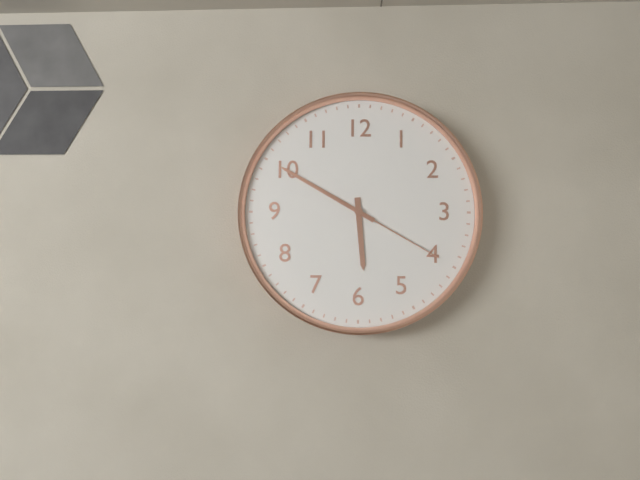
5.50.20
